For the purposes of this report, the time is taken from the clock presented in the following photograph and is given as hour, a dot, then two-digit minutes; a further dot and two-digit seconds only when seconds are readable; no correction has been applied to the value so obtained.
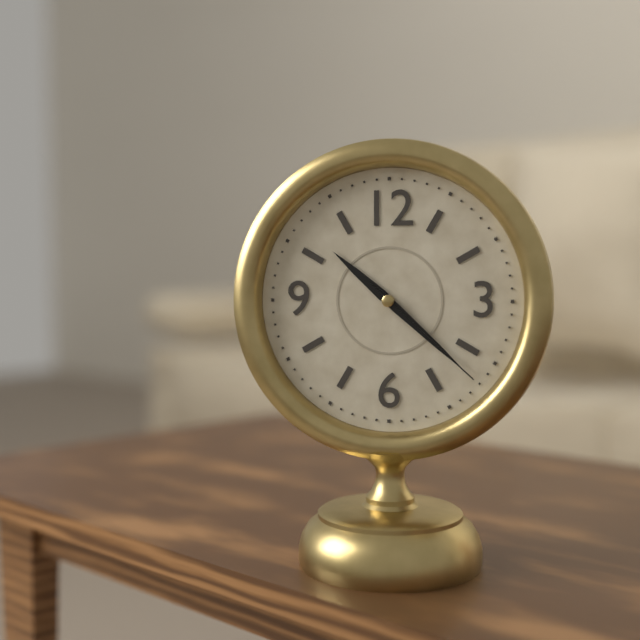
10.22.22
